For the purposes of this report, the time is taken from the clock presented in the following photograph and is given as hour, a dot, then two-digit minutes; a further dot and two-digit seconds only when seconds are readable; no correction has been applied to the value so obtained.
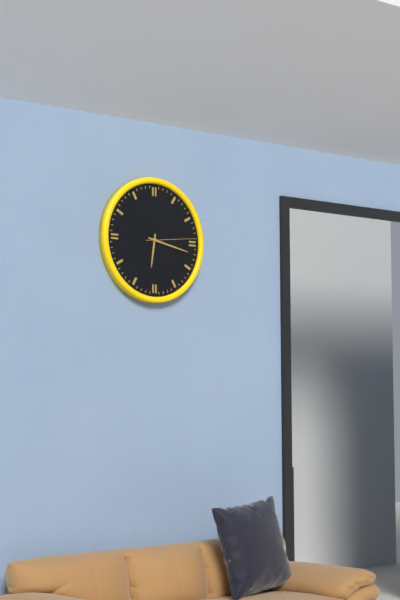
6.17.14
